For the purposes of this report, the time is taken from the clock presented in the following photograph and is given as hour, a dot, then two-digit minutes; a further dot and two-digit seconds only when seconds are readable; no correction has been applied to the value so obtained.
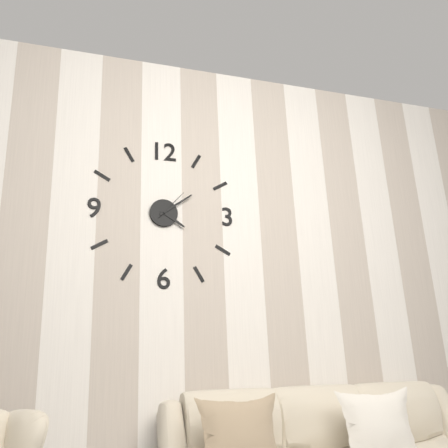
4.09
